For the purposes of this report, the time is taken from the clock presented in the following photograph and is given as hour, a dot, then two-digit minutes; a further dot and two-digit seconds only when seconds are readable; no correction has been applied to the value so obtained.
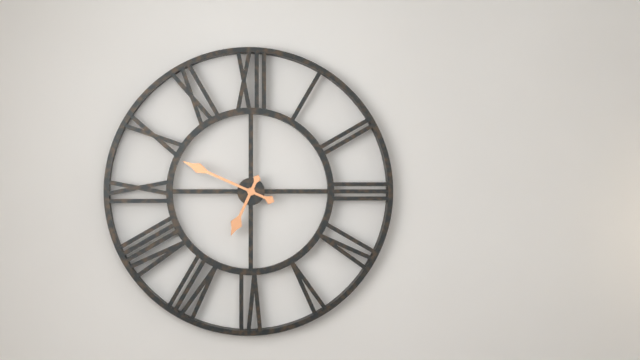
6.49
